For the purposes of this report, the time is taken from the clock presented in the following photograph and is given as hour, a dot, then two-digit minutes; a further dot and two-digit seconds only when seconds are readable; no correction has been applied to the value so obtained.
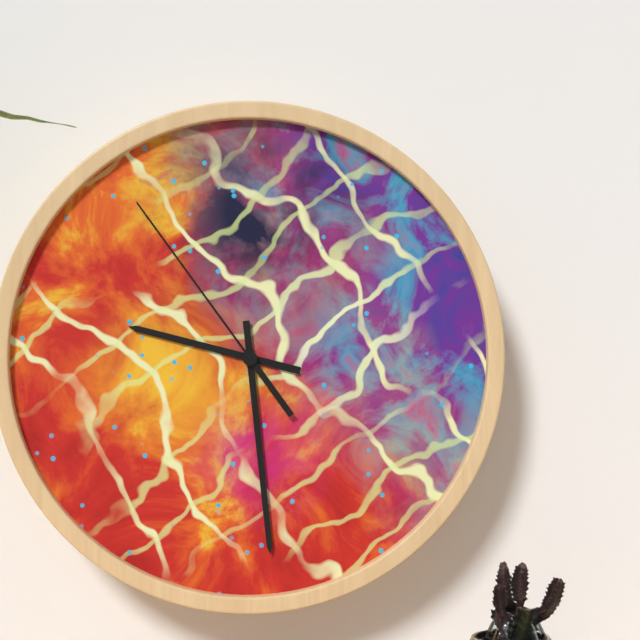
9.29.54
